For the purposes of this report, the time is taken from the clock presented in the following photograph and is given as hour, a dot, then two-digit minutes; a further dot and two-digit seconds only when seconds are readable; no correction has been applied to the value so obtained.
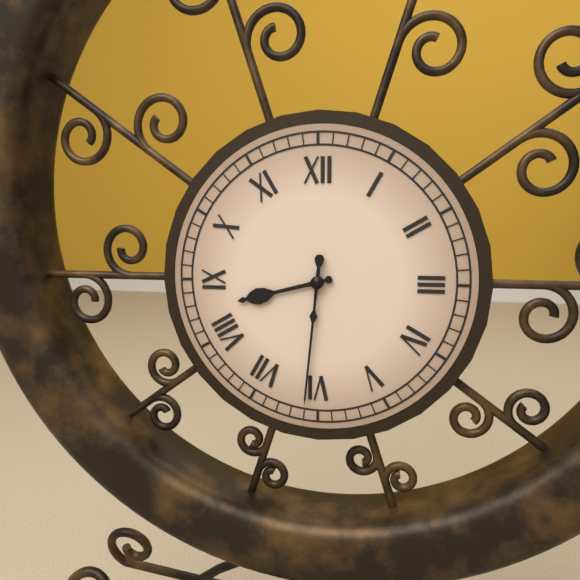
8.31
